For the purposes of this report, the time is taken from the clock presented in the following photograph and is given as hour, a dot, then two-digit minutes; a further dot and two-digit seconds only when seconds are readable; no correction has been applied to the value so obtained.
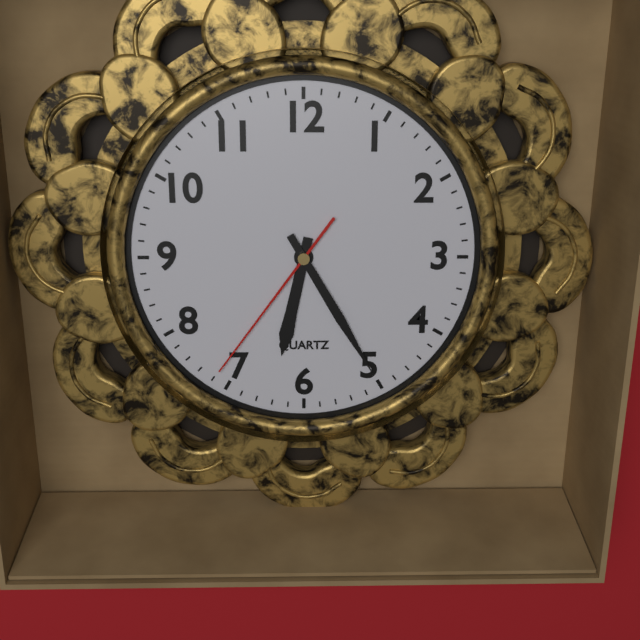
6.25.36
